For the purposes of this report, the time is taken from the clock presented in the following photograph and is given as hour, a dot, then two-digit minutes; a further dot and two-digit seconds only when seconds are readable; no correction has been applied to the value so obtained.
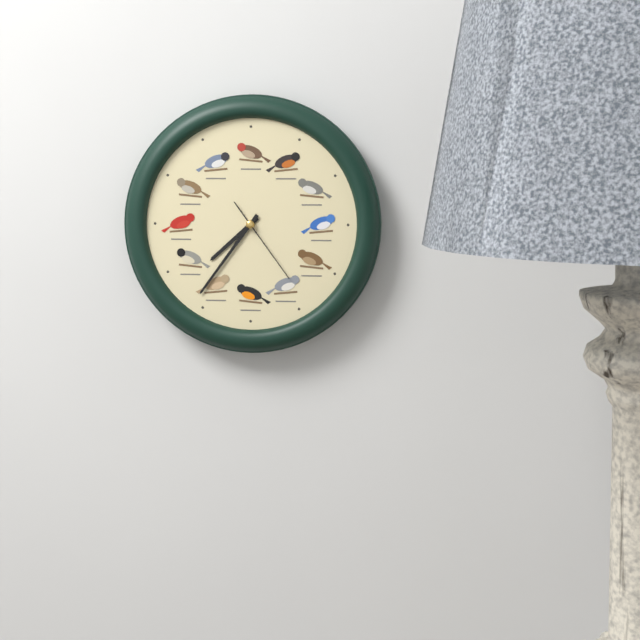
7.36.24
